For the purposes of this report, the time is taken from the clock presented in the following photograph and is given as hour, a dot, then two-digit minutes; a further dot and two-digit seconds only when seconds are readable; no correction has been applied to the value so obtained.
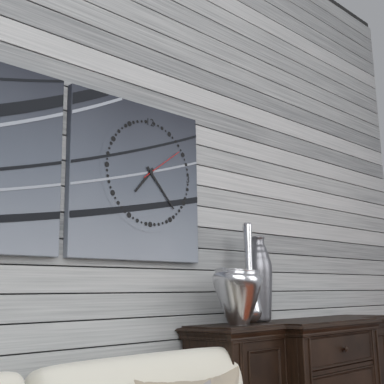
7.23
